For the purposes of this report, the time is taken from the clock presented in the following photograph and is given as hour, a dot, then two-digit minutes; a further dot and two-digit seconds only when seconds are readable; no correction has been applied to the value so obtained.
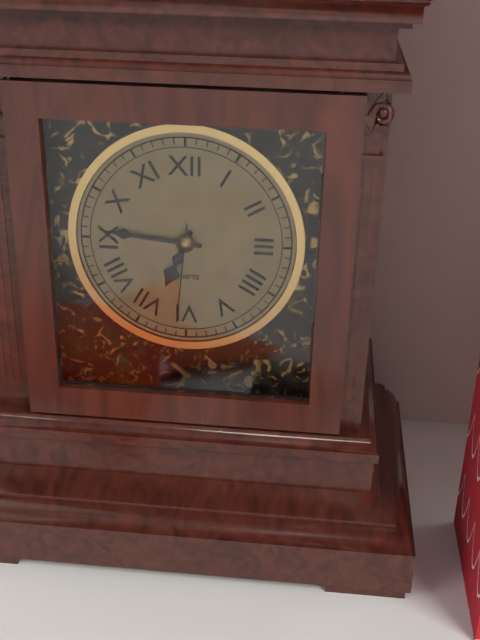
6.46.31
